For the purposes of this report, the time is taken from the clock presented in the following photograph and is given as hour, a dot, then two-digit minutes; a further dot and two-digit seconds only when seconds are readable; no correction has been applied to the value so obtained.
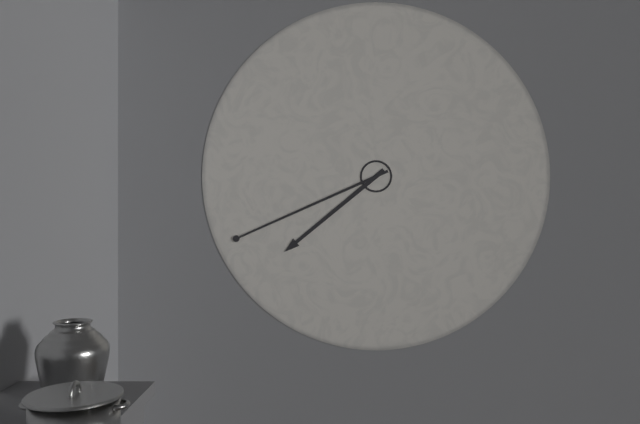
7.41
